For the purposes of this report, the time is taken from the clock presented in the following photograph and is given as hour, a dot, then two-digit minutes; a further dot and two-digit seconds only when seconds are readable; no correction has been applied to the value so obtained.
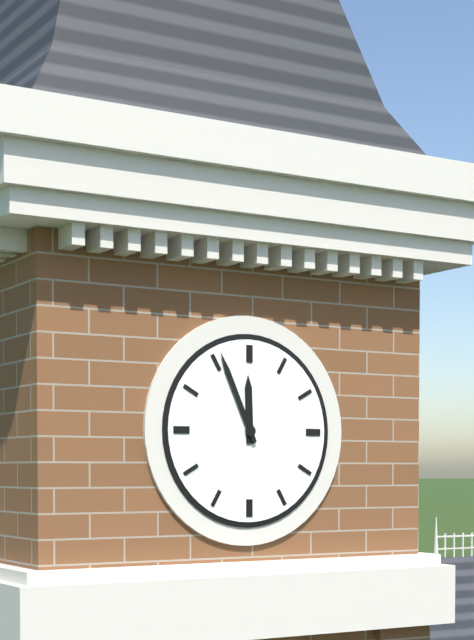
11.56
